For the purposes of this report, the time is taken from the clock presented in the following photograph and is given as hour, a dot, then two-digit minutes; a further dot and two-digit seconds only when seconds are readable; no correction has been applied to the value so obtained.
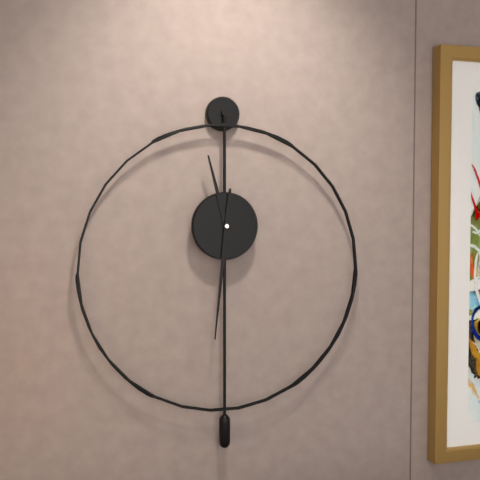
11.31
